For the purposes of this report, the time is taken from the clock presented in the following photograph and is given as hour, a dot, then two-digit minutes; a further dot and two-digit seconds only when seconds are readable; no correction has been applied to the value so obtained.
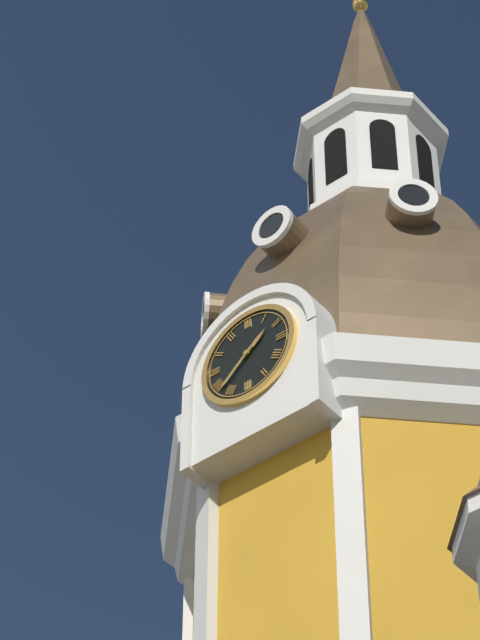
1.38
